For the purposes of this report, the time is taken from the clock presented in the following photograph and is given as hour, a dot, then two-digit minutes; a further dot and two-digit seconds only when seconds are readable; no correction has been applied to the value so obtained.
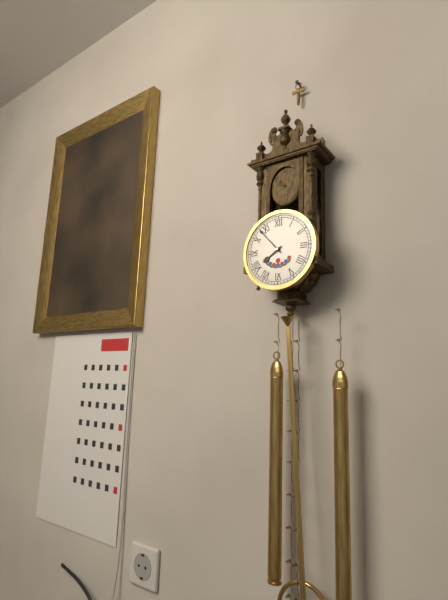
7.53
